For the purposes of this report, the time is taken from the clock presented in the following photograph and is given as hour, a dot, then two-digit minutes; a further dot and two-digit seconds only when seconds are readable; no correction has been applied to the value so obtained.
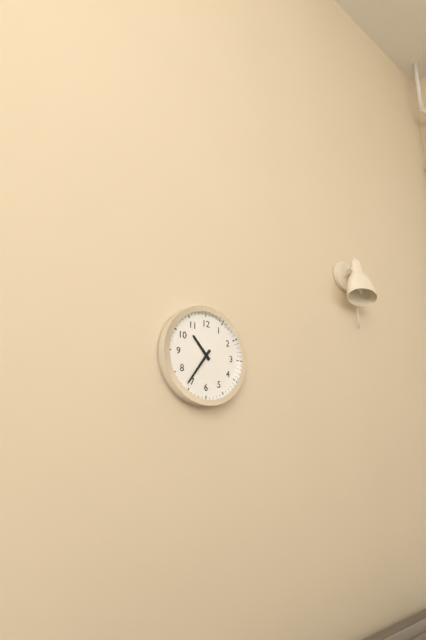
10.36
